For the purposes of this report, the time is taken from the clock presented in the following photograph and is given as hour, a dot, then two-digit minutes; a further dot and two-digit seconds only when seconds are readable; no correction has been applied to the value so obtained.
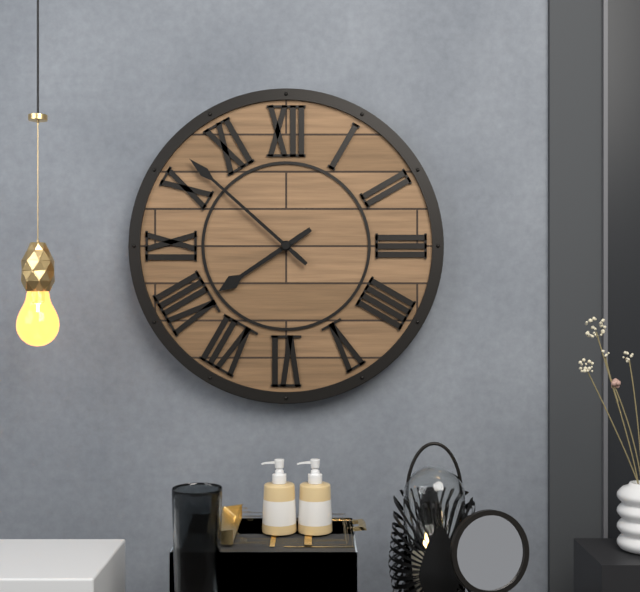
7.52
